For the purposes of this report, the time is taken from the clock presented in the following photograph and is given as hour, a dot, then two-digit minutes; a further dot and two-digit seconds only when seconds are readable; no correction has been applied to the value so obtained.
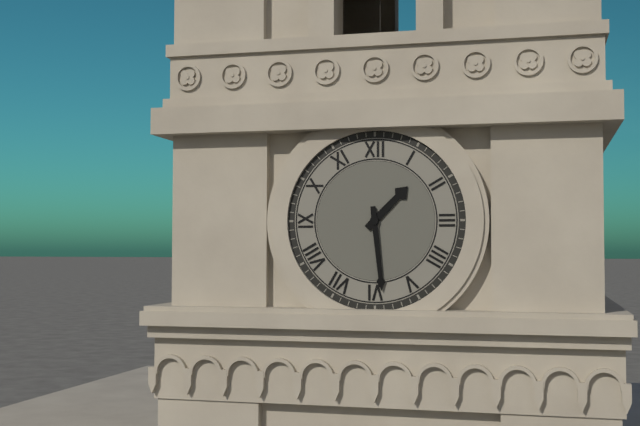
1.29
